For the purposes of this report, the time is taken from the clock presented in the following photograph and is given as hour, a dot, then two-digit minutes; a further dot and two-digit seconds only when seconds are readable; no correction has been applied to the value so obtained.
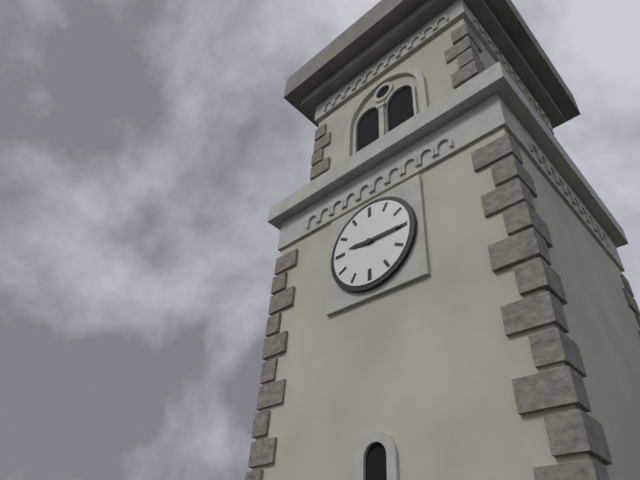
9.15
